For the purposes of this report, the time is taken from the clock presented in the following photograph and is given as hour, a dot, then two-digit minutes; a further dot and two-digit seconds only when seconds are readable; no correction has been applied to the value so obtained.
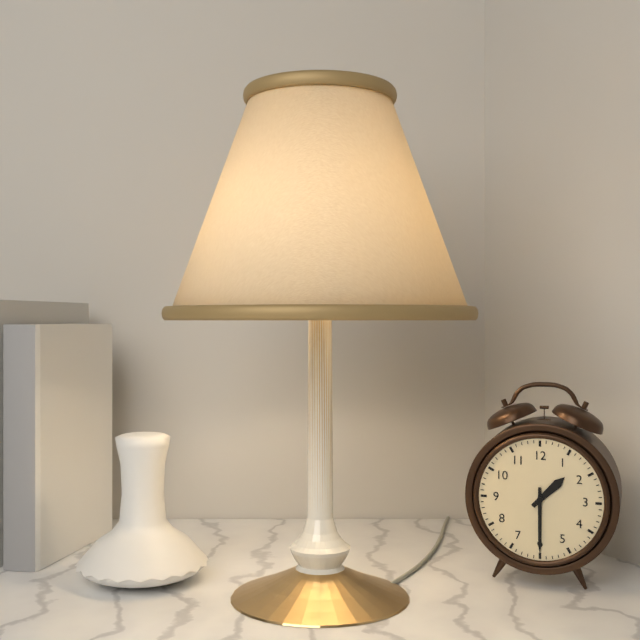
1.30
